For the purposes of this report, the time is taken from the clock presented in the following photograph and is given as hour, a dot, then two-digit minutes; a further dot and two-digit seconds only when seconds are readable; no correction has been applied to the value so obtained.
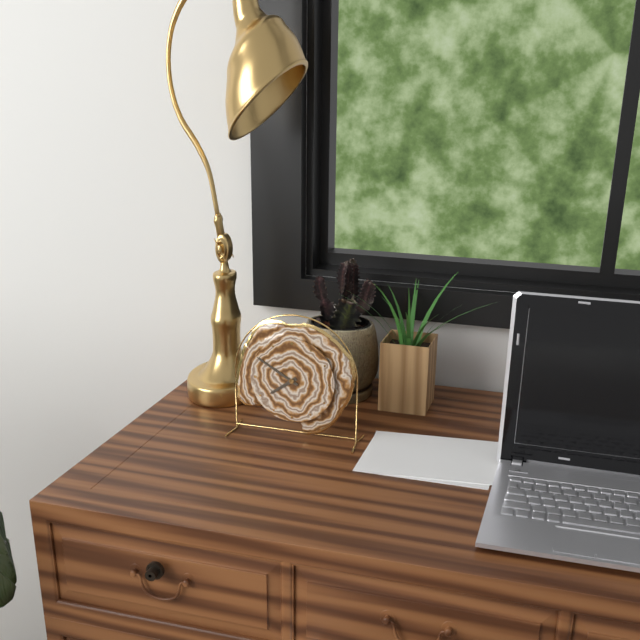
7.50
